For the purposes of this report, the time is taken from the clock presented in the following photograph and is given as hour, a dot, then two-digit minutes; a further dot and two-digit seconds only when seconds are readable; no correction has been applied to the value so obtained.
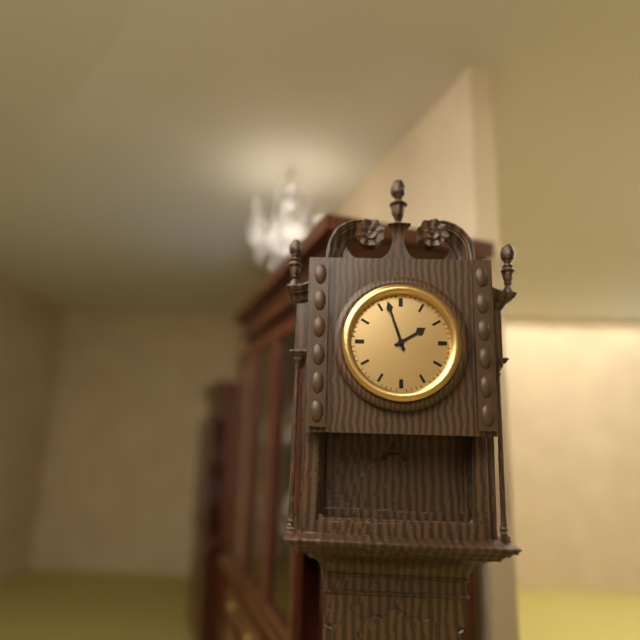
1.57
